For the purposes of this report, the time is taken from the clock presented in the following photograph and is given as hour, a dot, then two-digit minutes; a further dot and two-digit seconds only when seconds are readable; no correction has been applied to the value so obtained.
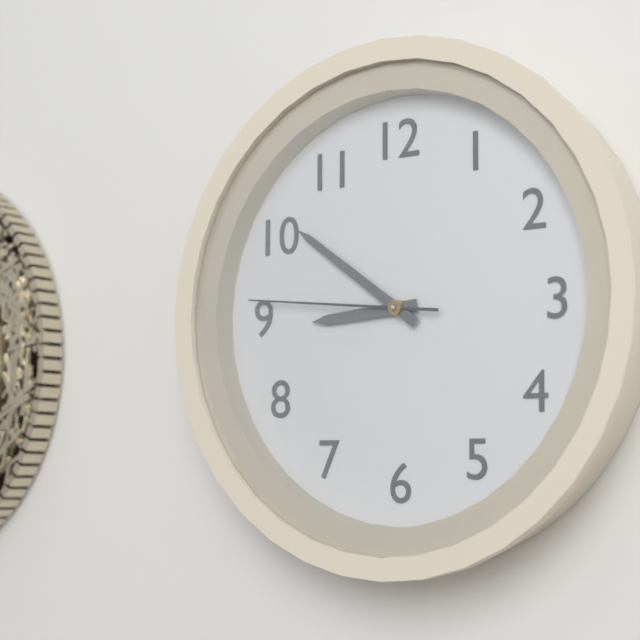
8.51.46
